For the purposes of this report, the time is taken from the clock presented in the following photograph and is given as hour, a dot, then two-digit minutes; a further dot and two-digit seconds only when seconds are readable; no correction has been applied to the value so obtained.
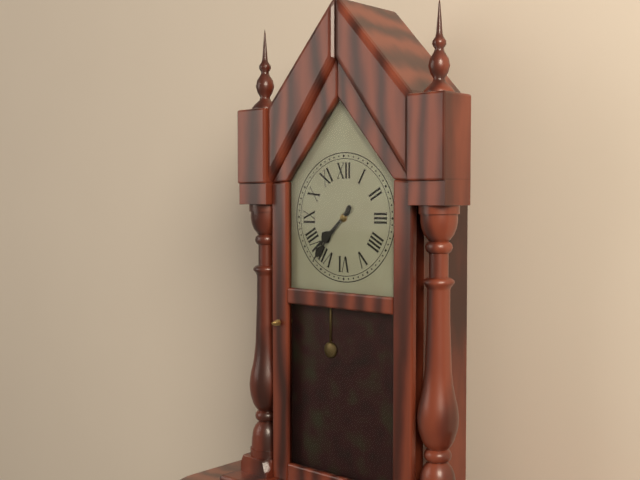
7.37
